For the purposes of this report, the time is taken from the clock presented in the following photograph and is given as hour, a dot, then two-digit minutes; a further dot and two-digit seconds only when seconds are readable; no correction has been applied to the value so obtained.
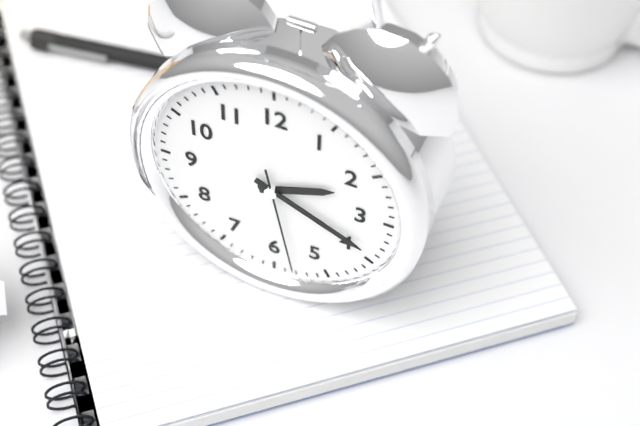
2.19.28
